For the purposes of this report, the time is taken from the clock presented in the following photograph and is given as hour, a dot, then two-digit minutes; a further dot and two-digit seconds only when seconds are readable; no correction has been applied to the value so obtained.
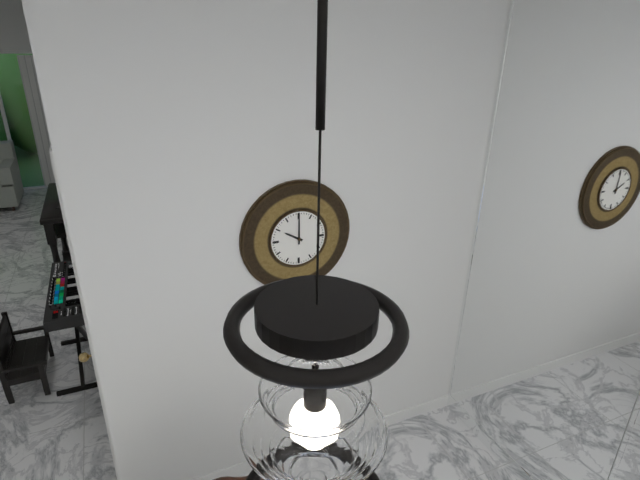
10.00
